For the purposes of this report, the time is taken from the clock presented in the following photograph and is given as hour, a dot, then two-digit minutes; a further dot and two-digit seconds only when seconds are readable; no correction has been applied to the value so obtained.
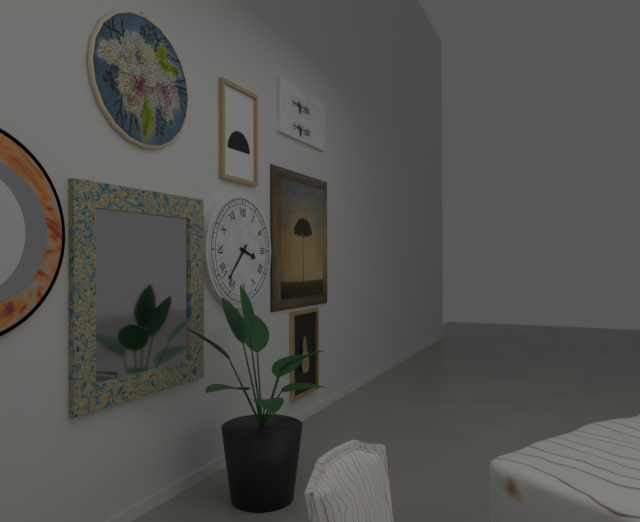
3.37
